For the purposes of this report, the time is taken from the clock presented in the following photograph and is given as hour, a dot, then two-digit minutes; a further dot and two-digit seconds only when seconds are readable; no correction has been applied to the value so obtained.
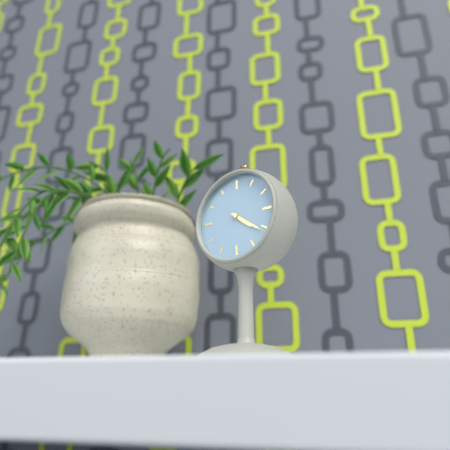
4.21
